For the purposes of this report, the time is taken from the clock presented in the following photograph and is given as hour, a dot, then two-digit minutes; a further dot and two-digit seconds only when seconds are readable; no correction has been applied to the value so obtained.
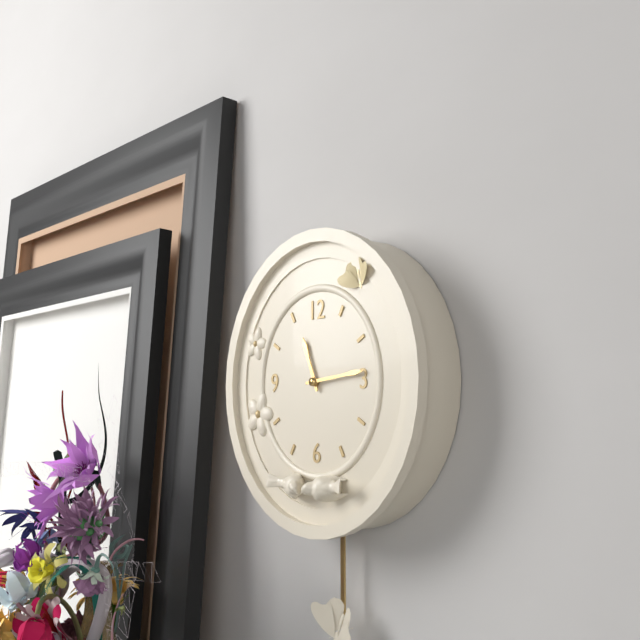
11.14
